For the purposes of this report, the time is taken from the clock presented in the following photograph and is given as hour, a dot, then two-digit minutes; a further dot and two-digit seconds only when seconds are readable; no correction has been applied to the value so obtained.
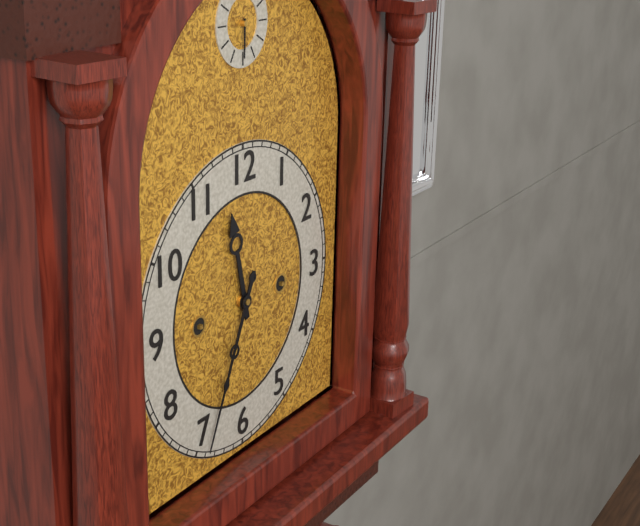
11.34
